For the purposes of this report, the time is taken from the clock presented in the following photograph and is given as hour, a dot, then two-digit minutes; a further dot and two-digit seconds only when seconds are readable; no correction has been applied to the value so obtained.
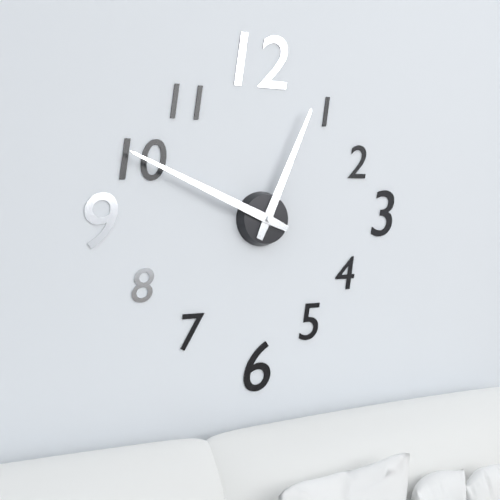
12.49
